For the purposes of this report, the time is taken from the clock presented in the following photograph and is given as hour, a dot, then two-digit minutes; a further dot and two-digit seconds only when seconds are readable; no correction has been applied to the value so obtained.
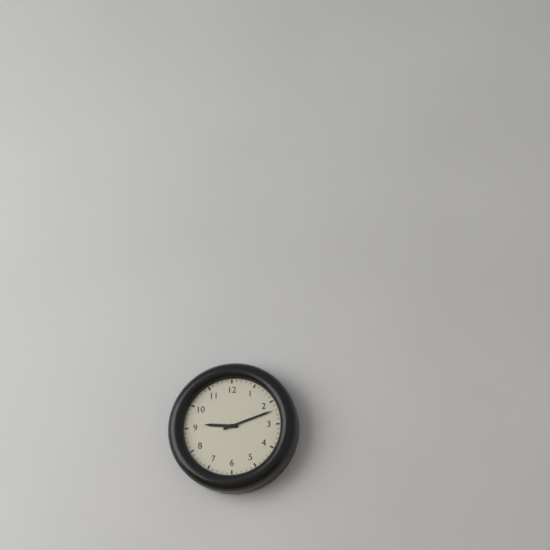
9.12
